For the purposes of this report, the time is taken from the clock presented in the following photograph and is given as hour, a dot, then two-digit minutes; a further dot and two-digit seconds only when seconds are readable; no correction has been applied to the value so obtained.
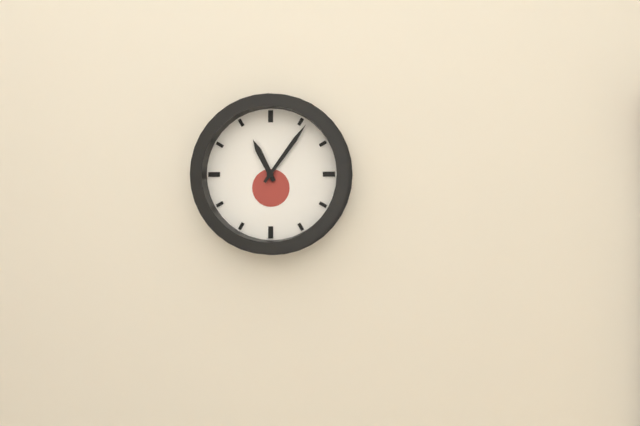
11.06
